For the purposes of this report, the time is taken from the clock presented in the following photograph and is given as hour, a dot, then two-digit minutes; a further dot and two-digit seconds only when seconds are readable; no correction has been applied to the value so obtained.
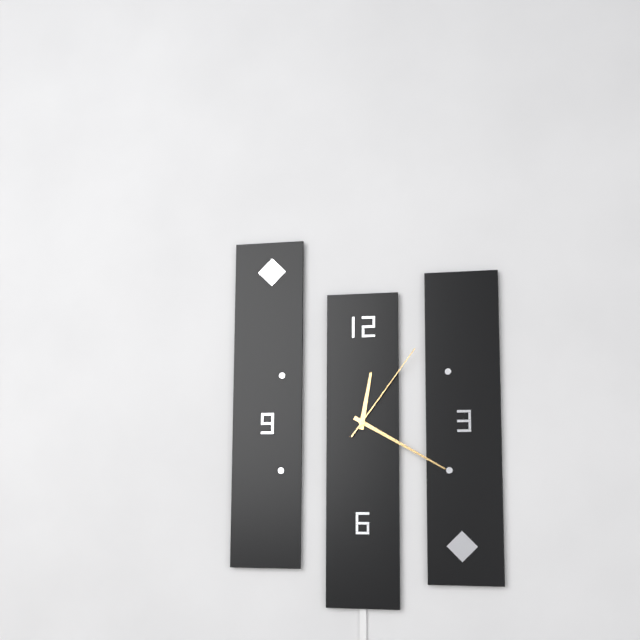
12.20.06
